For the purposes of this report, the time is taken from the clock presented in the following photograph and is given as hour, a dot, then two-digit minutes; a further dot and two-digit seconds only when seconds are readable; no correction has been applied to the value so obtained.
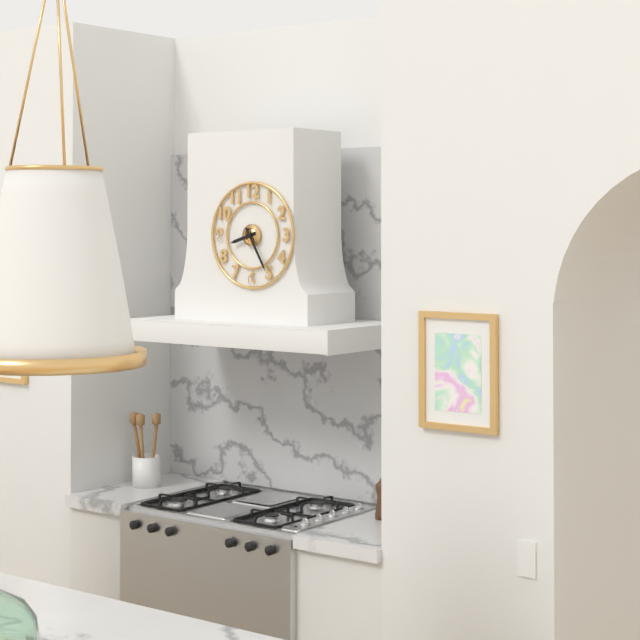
8.25
